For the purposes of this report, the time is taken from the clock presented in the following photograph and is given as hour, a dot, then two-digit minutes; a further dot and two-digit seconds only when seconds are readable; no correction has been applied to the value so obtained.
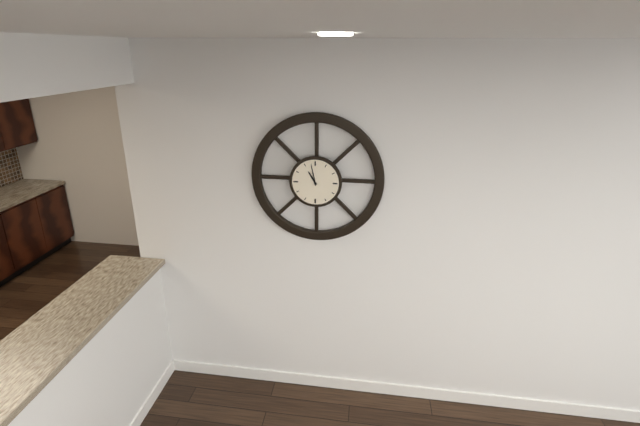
10.58
